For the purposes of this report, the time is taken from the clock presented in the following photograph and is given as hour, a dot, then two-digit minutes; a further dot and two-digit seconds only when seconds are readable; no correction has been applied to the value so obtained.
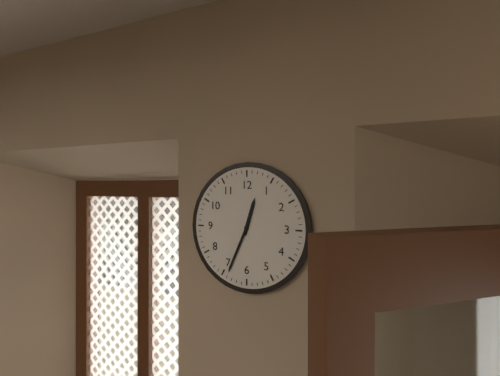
12.34
